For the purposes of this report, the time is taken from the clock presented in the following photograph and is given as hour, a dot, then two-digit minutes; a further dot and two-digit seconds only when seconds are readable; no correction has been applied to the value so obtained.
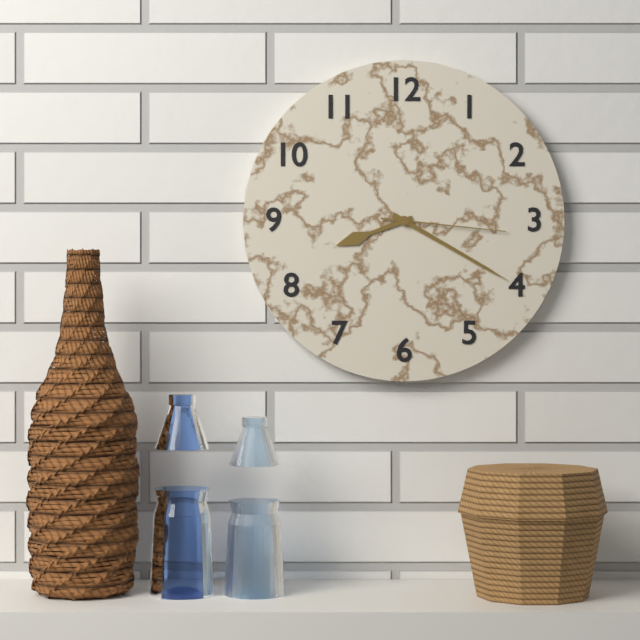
8.20.16
